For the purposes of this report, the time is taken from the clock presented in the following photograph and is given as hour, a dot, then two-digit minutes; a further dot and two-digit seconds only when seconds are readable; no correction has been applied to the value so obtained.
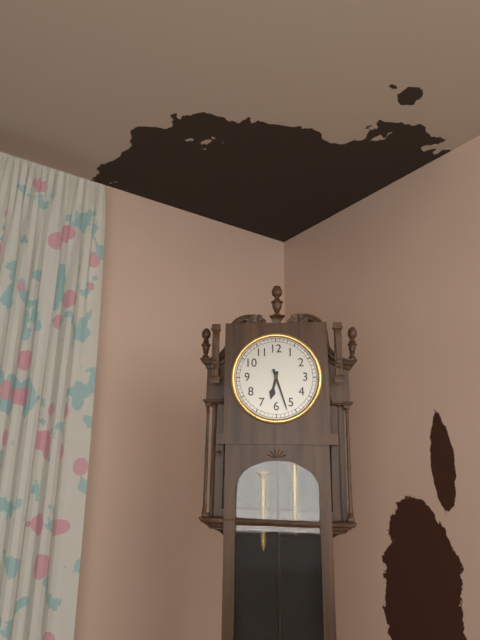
6.27
